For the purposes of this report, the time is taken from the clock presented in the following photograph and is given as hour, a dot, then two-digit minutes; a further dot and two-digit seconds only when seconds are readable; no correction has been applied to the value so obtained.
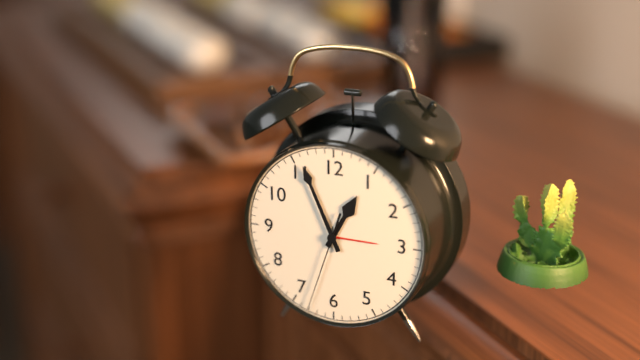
12.56.33
